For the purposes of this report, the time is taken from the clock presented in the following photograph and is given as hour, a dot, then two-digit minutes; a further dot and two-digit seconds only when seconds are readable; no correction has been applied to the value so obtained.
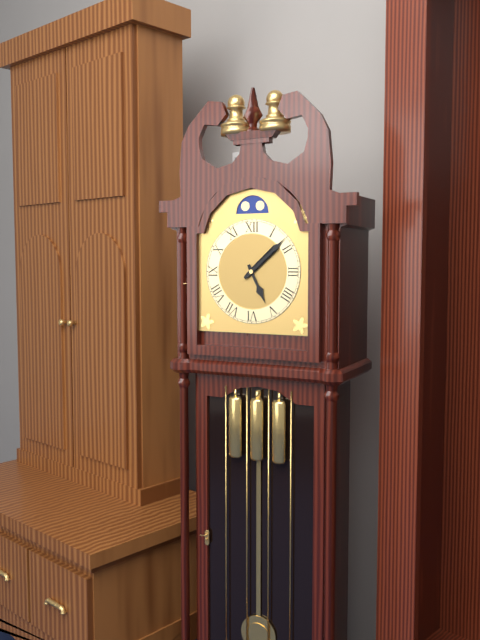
5.08
